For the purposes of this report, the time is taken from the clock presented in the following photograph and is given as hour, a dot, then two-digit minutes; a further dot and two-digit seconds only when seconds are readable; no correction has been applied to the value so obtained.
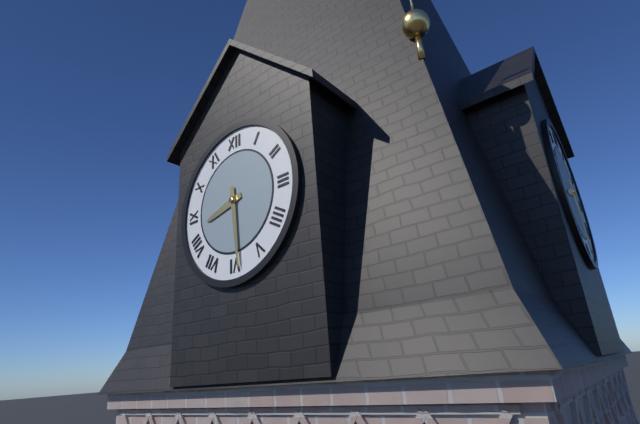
8.29
